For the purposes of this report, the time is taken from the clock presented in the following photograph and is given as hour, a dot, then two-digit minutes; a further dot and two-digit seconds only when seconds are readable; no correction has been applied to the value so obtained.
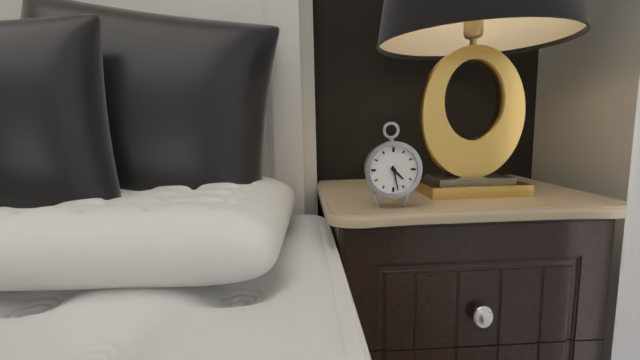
4.28
